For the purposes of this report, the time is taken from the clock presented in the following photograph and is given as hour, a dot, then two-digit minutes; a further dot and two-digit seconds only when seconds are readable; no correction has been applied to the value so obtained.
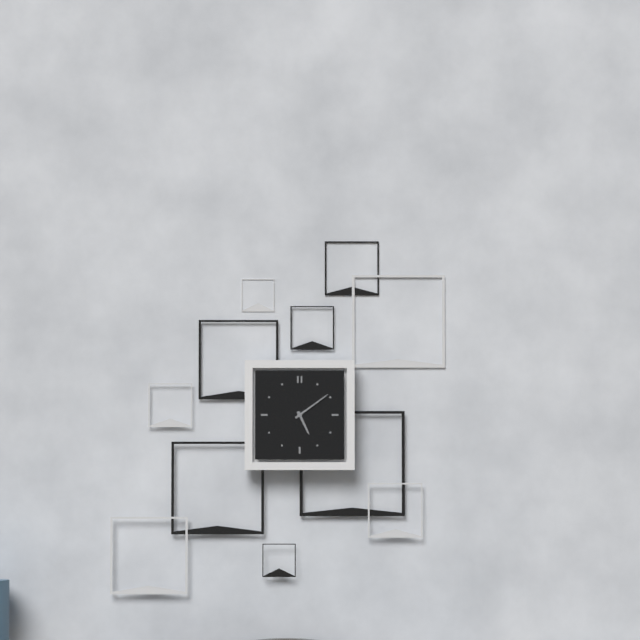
5.09
